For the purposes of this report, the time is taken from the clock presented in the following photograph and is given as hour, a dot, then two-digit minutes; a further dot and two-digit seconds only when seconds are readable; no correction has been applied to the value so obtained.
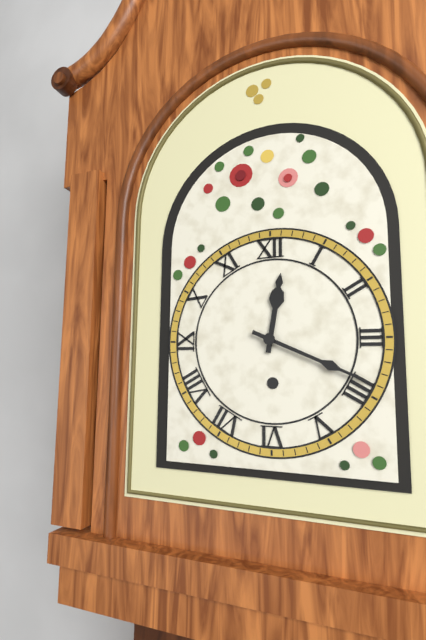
12.19
